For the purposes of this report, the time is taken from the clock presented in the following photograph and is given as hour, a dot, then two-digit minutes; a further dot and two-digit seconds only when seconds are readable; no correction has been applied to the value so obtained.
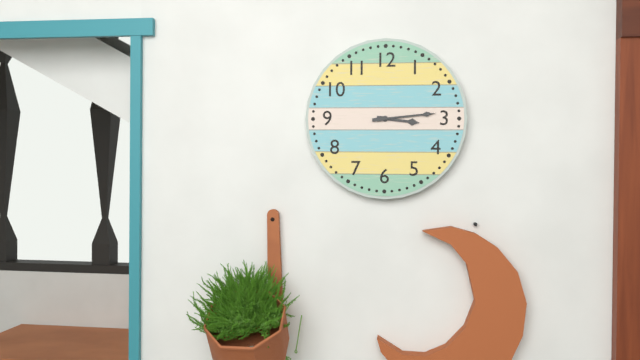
3.14
